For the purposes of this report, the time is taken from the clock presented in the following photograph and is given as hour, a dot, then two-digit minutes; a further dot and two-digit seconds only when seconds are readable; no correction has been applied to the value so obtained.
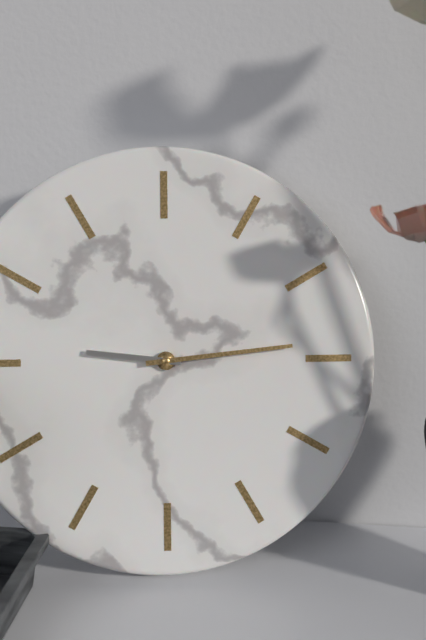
9.14
